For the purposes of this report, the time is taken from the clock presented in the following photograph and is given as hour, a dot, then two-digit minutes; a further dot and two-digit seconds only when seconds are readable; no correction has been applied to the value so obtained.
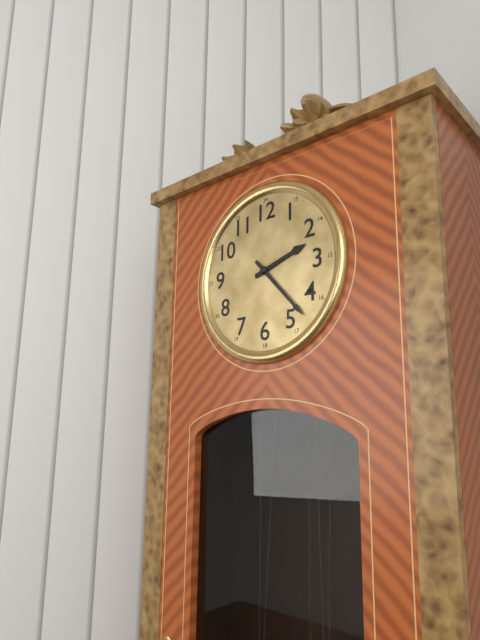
2.23
